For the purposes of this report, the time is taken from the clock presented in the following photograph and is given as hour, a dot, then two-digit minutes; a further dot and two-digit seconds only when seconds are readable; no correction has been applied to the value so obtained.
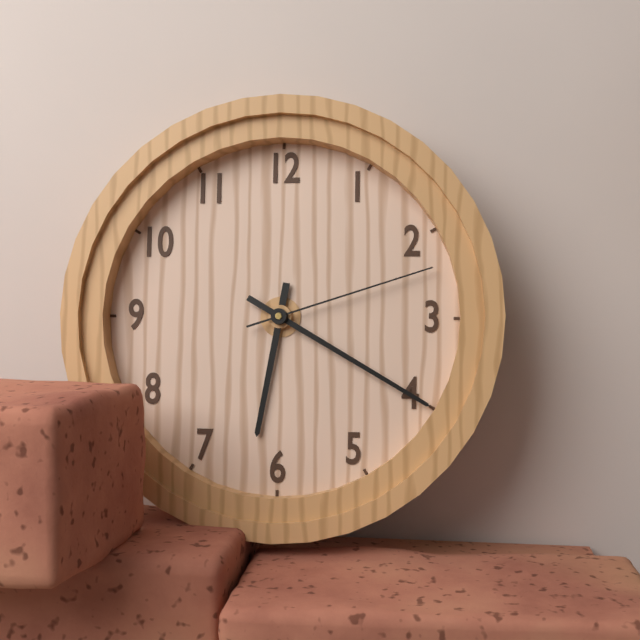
6.20.12
